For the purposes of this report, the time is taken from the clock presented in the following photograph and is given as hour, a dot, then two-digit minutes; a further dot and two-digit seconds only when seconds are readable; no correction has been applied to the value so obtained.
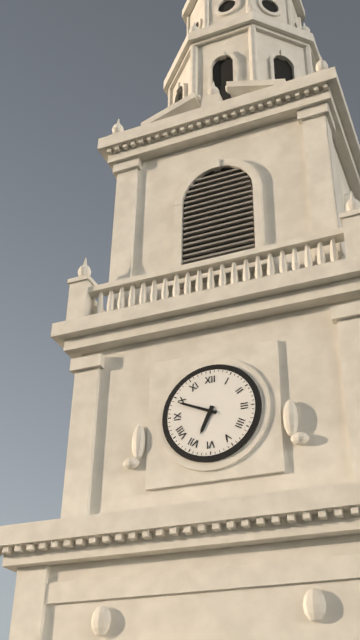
6.49
